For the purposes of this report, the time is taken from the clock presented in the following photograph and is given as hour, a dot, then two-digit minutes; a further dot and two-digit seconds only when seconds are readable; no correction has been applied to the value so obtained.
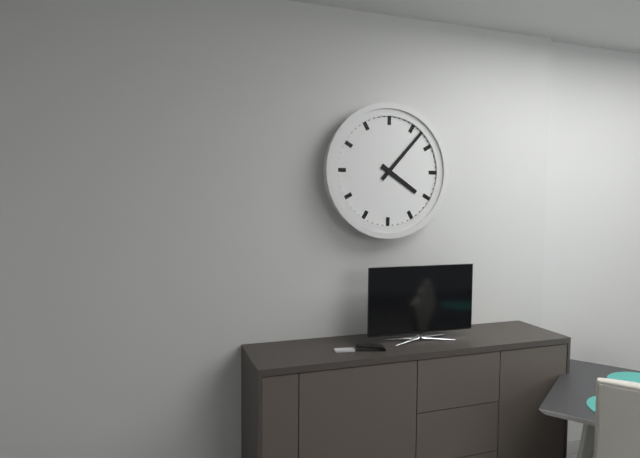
4.07
